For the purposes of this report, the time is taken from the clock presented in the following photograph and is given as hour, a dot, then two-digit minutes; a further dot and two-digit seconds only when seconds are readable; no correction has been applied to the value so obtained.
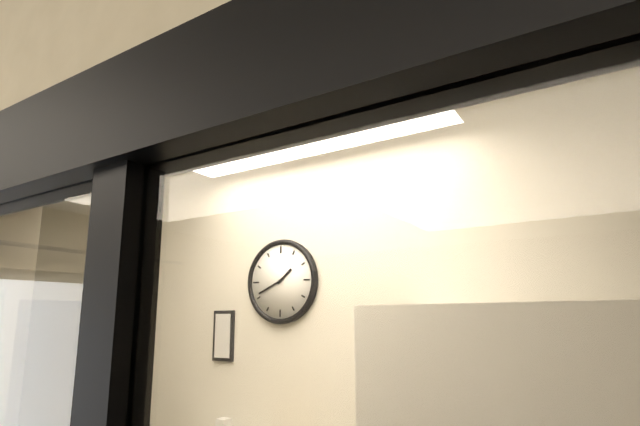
1.41
